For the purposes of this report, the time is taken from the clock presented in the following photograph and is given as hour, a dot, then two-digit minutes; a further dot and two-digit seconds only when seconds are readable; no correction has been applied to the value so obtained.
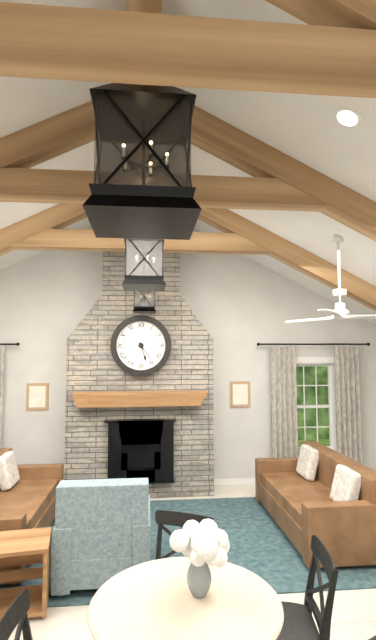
5.24
